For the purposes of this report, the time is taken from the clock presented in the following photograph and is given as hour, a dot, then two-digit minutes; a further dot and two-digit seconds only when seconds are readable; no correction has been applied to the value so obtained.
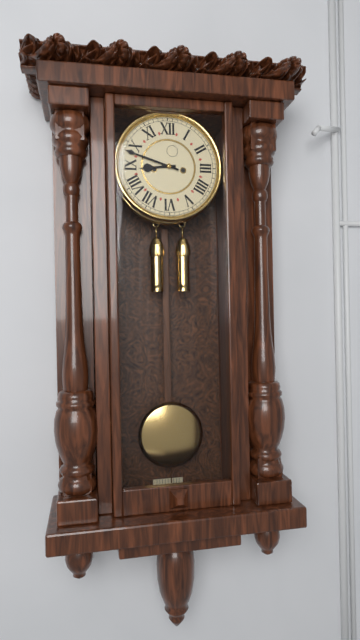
8.48
